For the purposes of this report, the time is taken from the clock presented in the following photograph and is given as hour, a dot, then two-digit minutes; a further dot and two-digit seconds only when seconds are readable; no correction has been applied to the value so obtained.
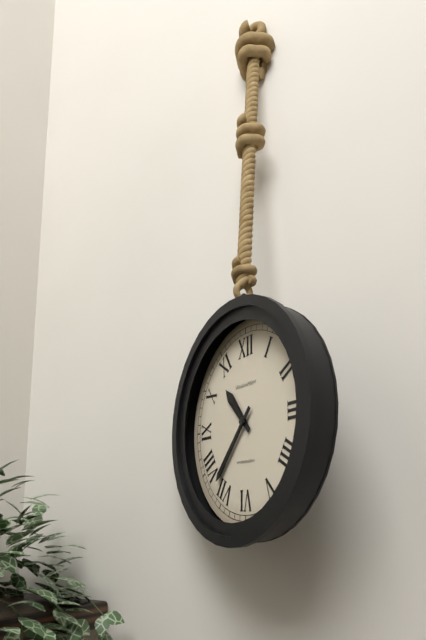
10.37
